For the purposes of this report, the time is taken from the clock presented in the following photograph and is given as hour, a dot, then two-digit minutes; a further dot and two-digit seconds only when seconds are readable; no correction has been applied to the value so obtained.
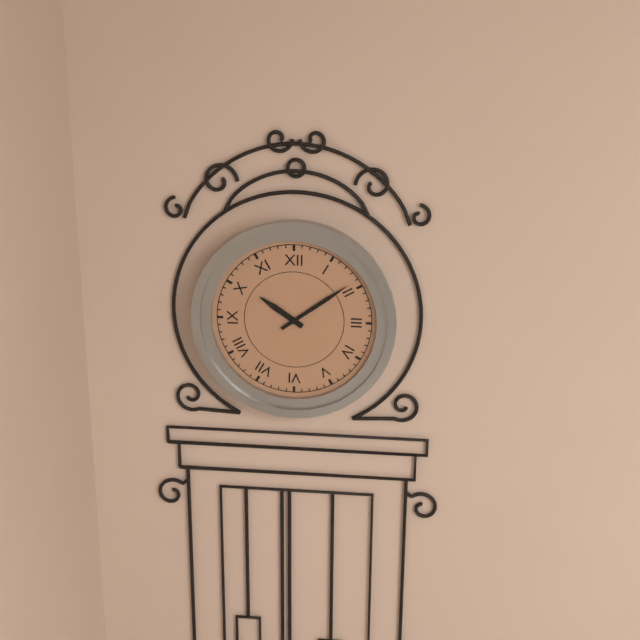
10.09
